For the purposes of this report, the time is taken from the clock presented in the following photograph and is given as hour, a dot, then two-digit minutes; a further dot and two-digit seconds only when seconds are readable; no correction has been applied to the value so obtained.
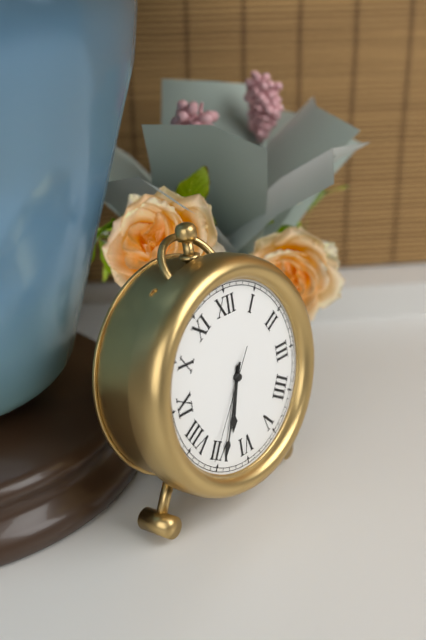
6.34.36
